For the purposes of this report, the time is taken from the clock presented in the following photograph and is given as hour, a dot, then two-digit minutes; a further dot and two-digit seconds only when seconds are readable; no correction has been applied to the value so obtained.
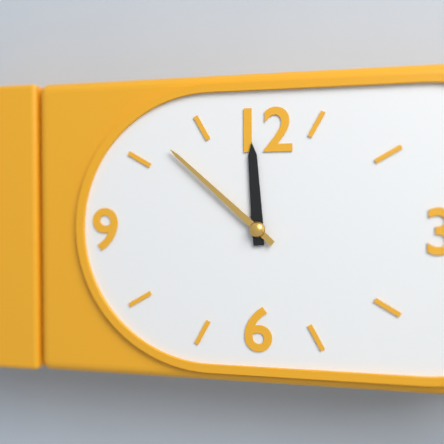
11.52
